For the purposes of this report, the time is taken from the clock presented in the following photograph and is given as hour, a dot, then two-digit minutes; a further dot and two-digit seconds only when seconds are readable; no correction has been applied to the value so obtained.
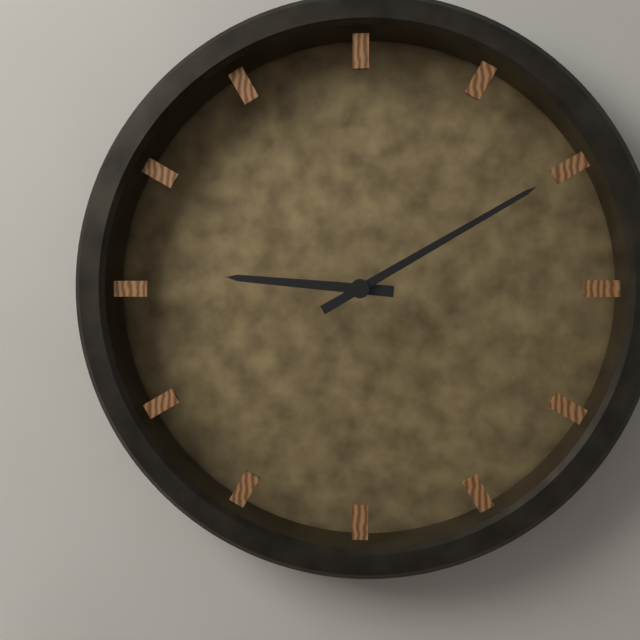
9.10
